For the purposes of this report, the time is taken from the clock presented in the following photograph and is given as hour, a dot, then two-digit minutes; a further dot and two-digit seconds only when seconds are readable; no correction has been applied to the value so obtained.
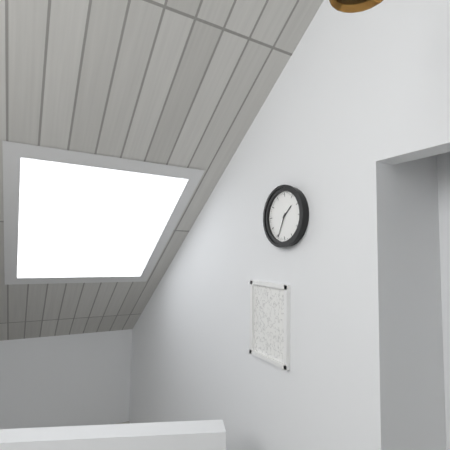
1.34
